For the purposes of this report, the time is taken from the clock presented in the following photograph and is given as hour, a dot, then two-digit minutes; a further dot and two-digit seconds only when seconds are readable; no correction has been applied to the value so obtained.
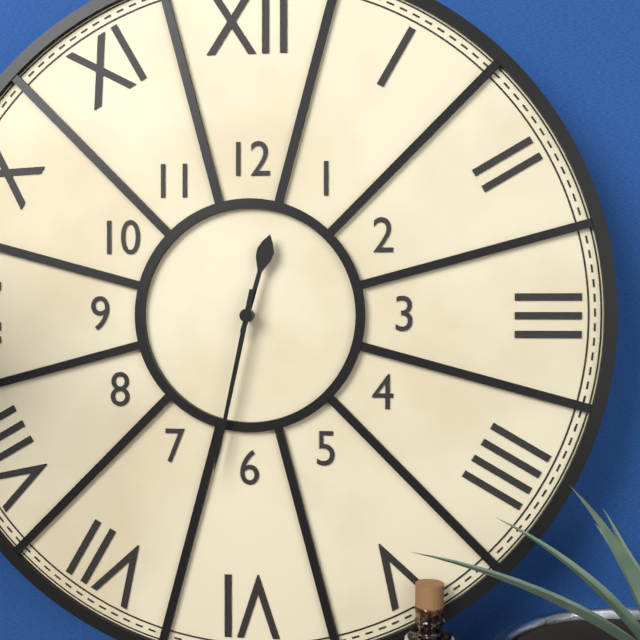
12.32
